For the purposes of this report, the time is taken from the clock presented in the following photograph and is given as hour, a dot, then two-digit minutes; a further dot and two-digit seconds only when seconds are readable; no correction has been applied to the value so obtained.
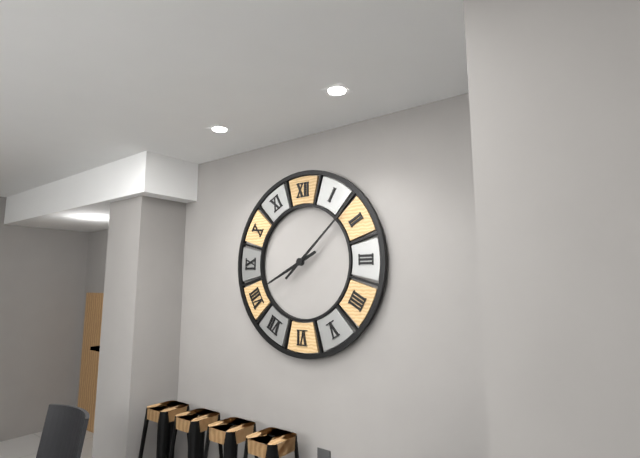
8.08
